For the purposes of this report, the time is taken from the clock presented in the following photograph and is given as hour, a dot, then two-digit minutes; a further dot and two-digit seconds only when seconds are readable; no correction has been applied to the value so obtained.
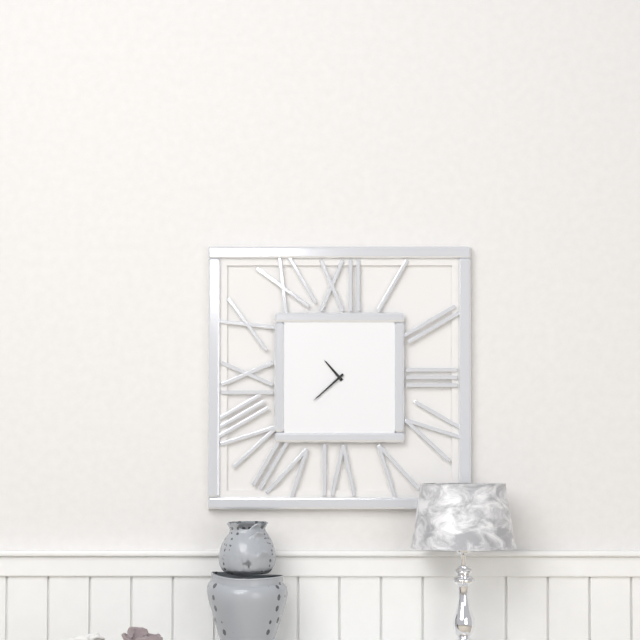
10.38
